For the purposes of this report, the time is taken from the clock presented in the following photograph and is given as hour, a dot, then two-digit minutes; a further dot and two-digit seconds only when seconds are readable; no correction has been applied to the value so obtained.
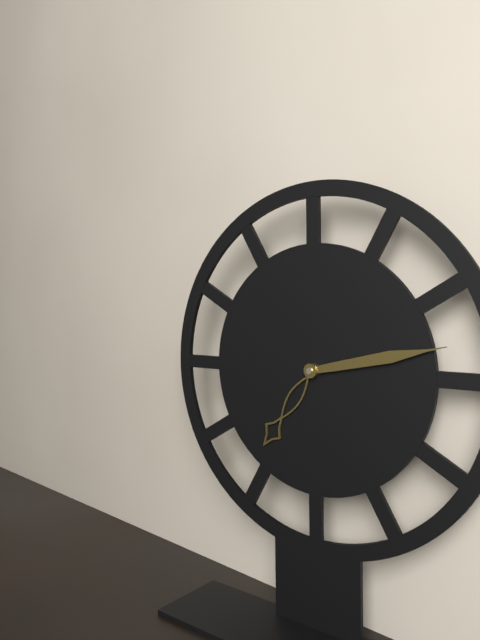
7.13
